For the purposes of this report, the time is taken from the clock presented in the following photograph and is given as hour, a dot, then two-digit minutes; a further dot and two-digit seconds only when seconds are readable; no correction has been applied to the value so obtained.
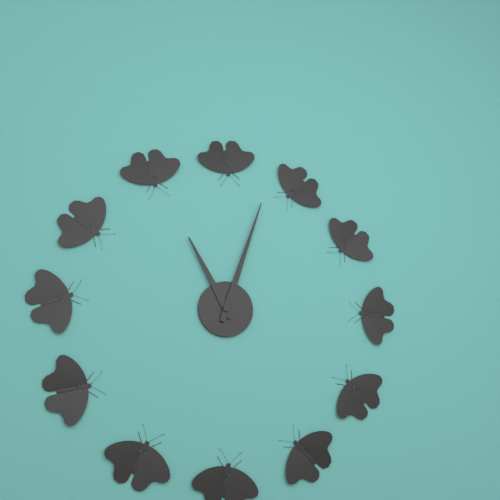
11.03
